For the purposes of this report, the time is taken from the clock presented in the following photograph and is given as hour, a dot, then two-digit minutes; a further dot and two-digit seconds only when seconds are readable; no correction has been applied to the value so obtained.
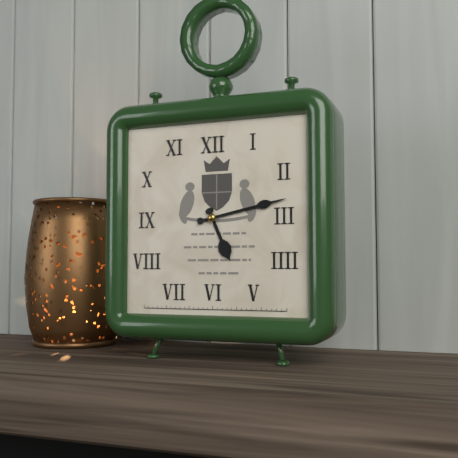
5.13
